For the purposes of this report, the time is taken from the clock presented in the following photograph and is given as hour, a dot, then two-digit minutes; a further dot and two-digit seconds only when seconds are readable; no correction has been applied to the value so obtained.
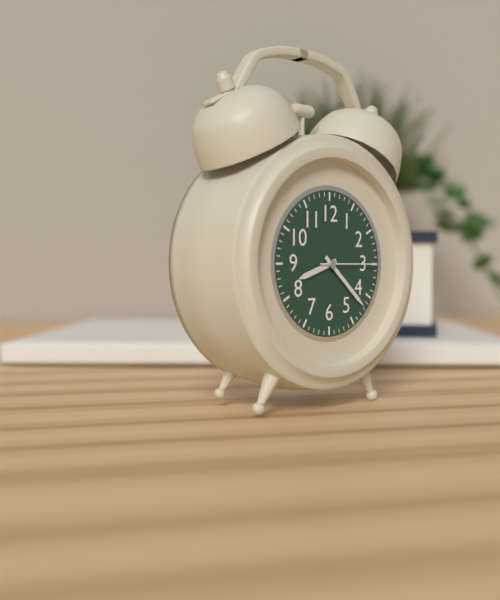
8.22.15
